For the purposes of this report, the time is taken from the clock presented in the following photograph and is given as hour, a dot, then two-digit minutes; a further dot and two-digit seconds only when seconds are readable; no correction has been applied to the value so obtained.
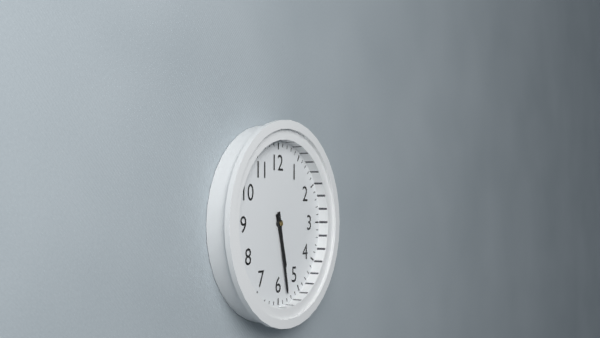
5.28
